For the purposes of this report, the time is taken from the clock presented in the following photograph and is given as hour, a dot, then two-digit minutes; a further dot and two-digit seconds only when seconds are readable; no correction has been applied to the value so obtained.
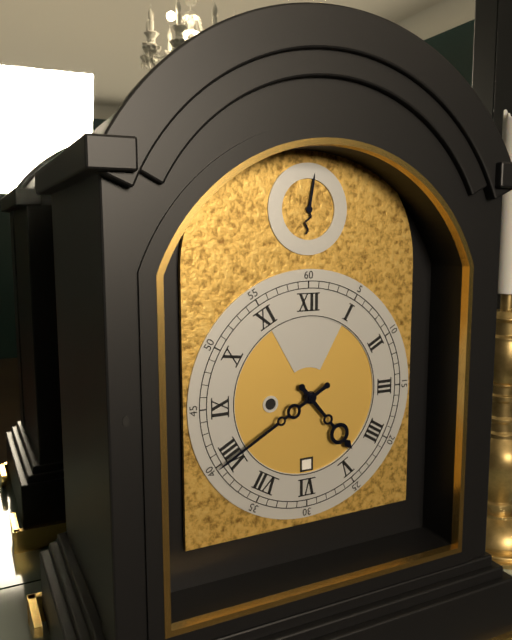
4.40
